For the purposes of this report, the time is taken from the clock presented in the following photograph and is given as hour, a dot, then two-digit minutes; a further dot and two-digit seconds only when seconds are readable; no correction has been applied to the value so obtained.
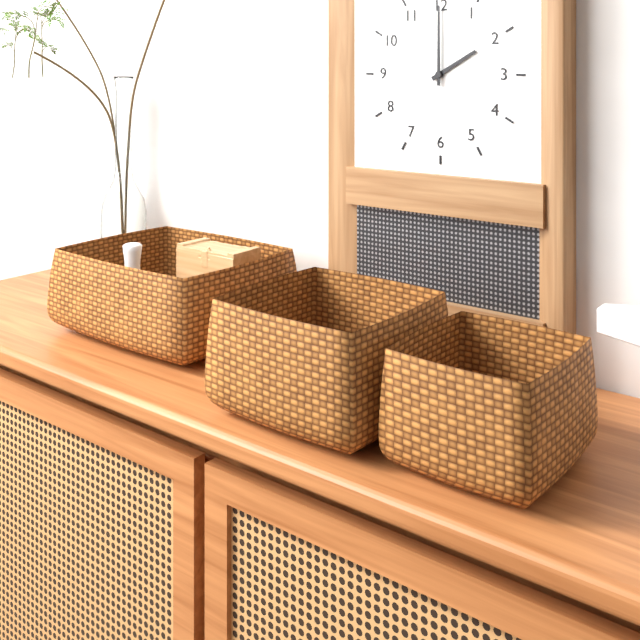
2.00
